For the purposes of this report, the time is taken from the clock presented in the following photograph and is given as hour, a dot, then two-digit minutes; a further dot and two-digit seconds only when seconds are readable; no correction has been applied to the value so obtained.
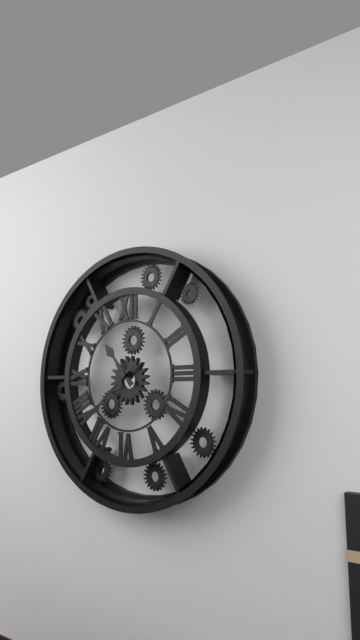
10.38
